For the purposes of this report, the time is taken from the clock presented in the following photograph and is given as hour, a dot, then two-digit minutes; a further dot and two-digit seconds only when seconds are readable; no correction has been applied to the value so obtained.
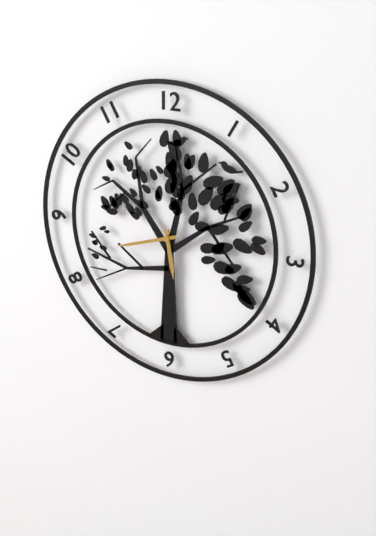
5.42
